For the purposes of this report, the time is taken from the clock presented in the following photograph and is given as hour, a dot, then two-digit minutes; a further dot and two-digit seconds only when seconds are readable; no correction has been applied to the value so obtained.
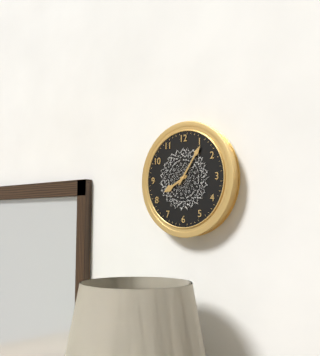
8.06
